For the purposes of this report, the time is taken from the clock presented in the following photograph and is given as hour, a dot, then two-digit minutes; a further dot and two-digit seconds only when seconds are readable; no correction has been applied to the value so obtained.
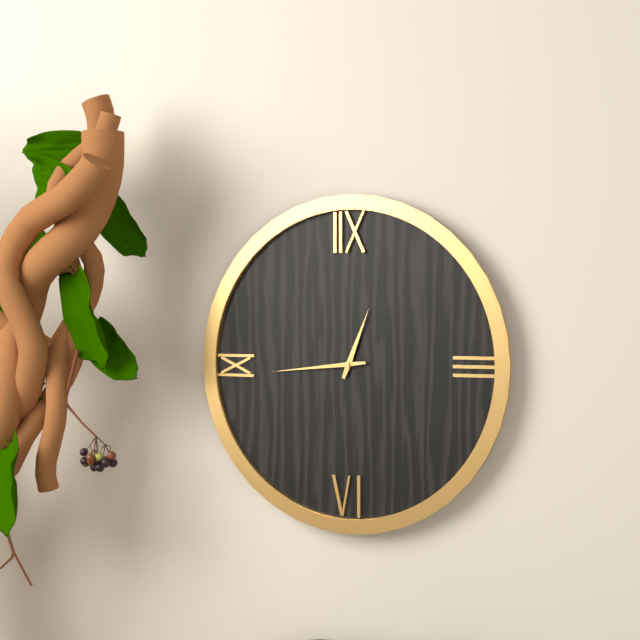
12.44
